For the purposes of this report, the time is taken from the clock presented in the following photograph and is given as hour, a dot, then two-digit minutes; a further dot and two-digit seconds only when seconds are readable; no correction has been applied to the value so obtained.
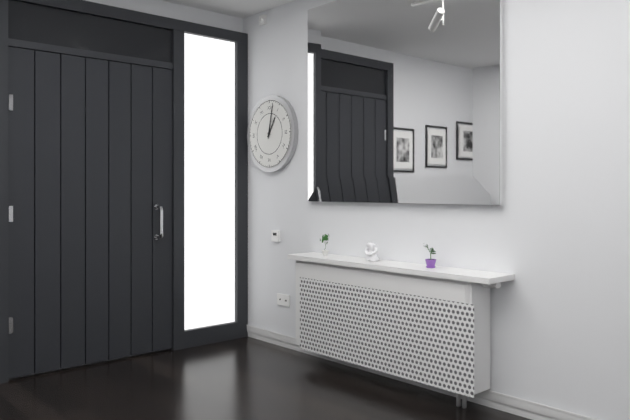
1.02
